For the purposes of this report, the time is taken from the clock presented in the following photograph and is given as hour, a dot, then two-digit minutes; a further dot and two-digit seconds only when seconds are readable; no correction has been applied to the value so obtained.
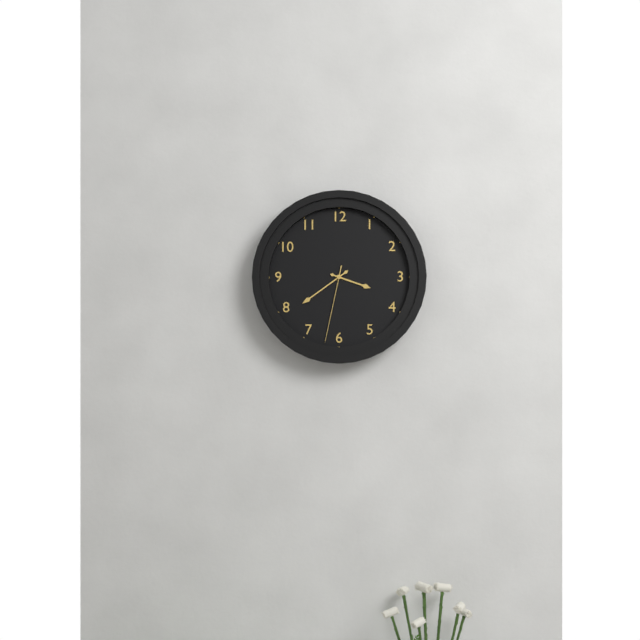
3.39.32
